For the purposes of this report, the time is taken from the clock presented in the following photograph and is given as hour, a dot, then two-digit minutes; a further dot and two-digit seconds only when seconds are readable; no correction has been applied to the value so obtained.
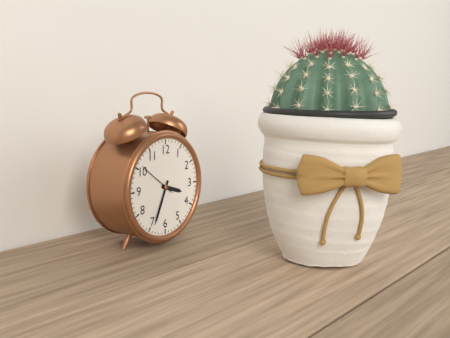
3.34
